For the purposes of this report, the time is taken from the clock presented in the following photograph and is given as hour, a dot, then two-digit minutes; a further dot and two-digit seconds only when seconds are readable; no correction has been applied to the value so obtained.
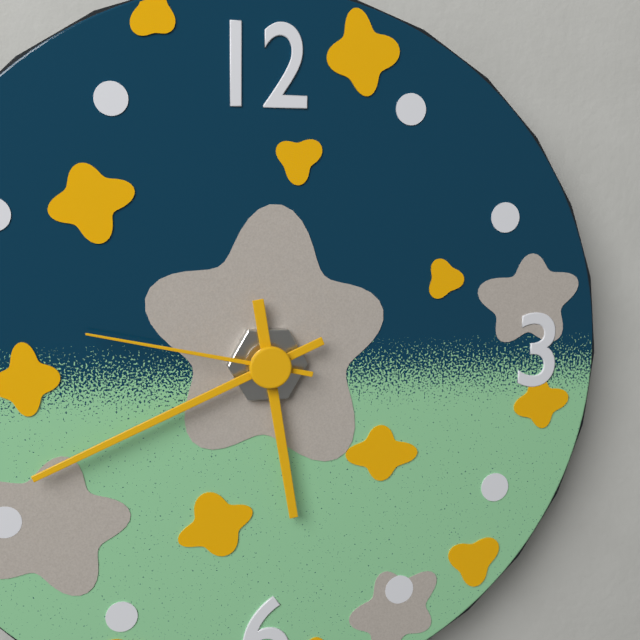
5.41.47
